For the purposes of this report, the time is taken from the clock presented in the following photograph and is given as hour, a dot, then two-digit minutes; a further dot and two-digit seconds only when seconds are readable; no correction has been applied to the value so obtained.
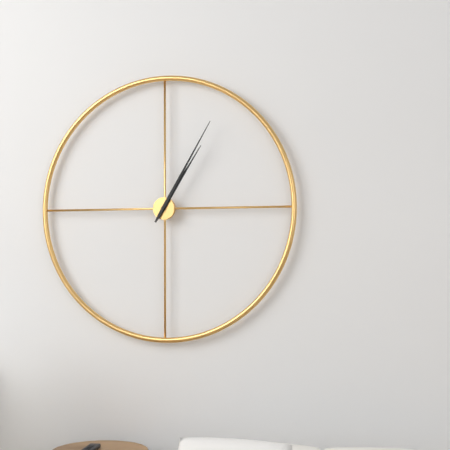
1.05
